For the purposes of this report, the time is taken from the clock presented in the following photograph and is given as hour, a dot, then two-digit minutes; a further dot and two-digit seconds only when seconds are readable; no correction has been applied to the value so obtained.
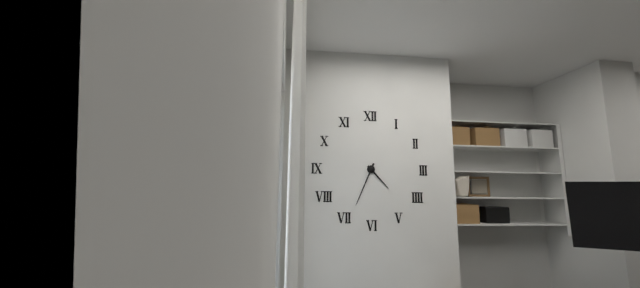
4.34
